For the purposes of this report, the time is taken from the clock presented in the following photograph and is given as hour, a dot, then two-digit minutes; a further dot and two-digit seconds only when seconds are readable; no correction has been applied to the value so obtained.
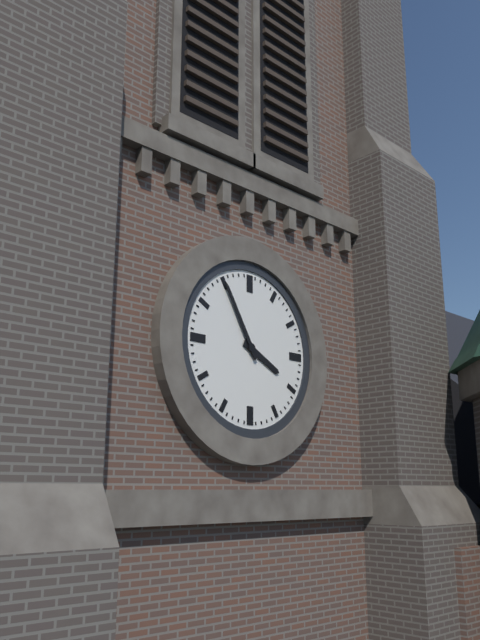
3.55
